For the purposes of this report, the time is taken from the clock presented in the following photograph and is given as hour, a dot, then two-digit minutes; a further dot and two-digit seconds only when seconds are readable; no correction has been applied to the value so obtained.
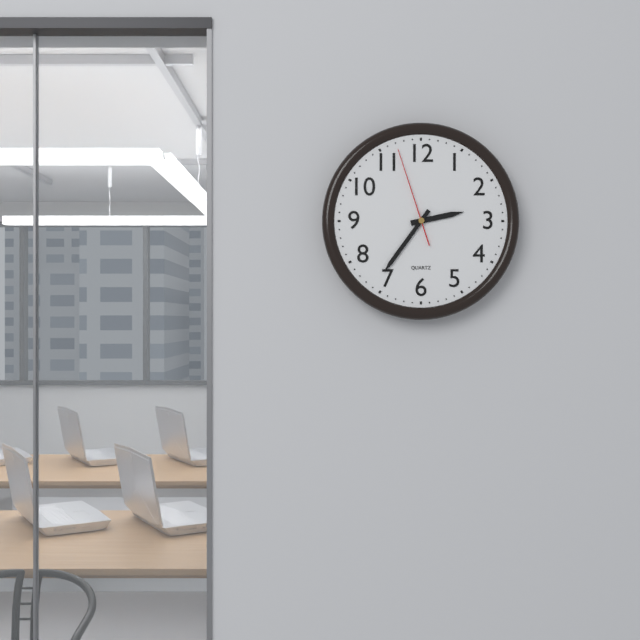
2.36.57
